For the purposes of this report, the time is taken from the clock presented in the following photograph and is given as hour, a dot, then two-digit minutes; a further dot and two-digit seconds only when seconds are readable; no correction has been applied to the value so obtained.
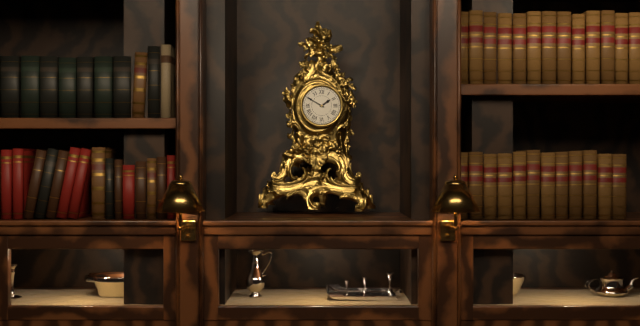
1.50
